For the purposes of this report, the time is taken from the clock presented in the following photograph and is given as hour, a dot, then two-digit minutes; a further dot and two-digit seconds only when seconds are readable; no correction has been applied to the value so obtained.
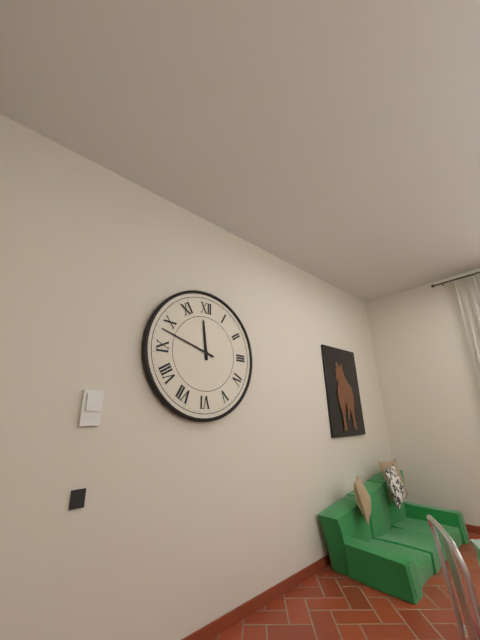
11.48
